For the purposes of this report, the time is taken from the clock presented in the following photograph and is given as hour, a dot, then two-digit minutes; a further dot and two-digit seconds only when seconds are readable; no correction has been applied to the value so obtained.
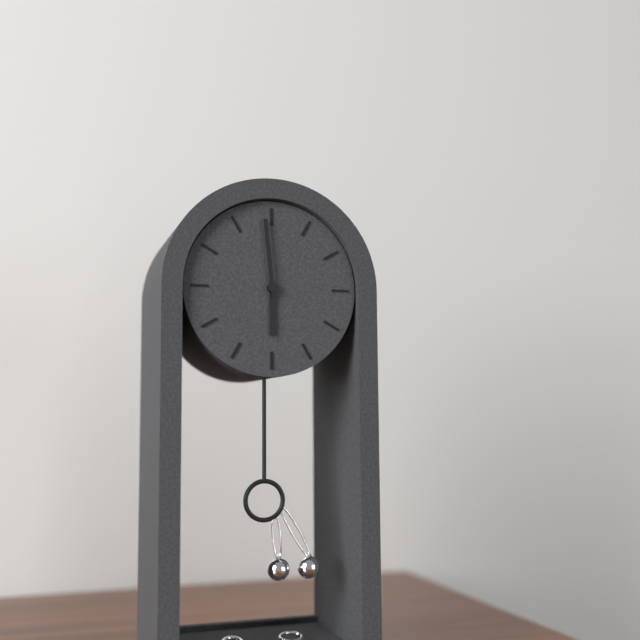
5.59
